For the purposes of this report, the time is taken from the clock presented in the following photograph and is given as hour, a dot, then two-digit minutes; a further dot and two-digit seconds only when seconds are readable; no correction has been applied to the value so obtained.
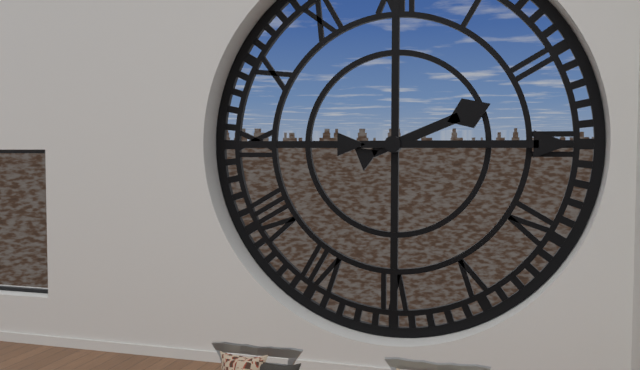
2.15
